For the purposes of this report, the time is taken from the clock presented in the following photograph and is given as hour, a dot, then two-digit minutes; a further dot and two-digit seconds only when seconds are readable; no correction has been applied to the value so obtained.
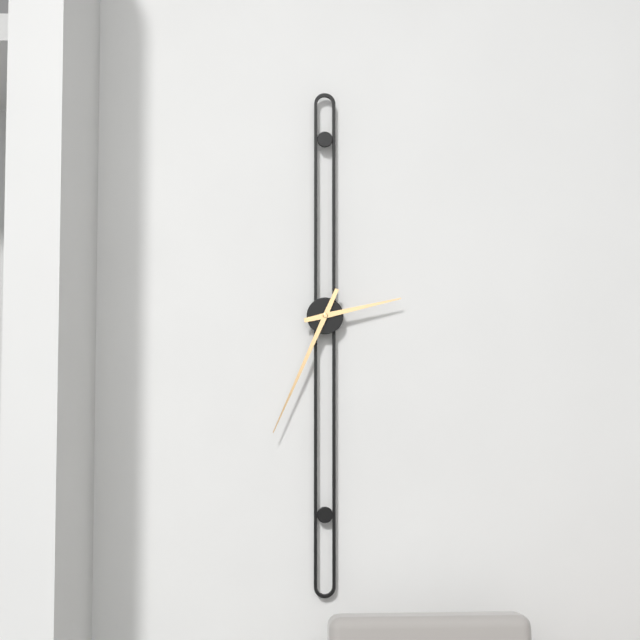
2.34
